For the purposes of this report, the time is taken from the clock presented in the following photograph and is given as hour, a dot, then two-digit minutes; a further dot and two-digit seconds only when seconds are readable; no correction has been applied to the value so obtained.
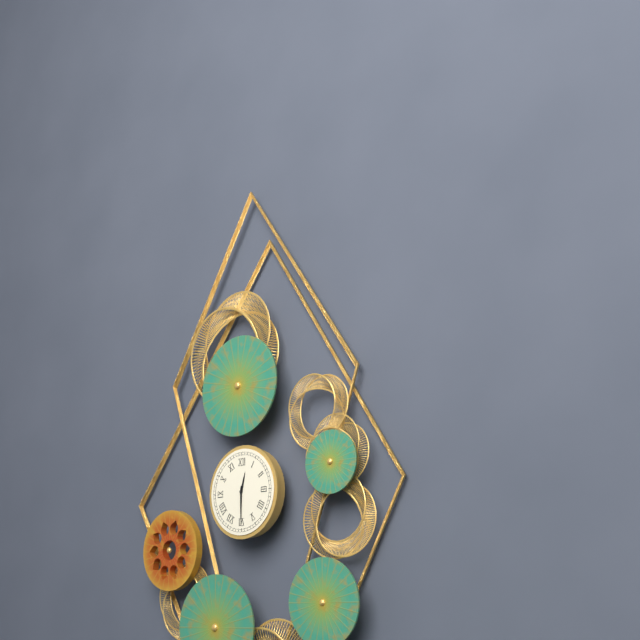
12.30
